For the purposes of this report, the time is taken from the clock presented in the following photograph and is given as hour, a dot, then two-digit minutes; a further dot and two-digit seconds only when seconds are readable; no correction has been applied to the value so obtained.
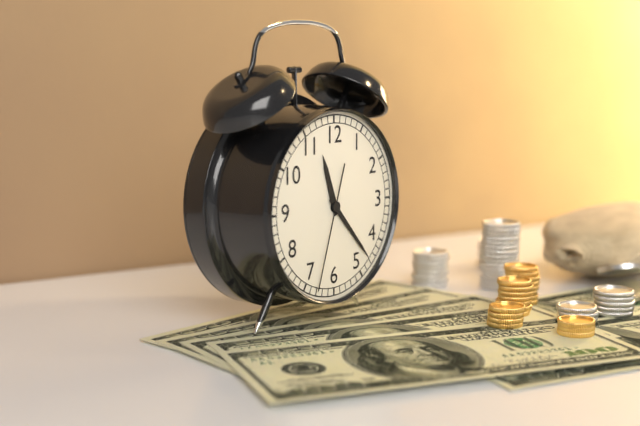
11.23.33
